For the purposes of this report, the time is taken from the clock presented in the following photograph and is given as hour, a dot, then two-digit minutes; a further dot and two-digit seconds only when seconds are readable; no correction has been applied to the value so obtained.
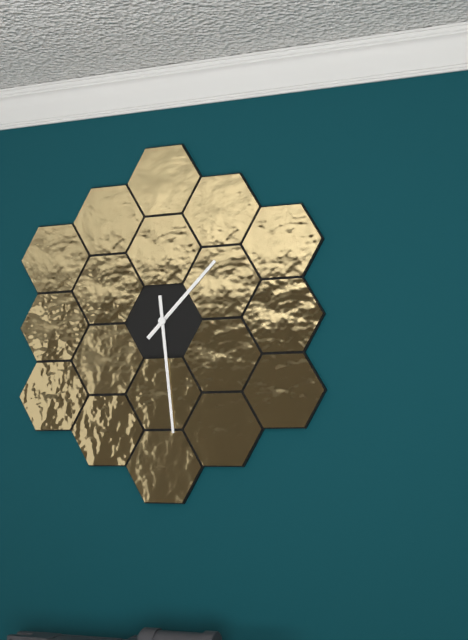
1.29
